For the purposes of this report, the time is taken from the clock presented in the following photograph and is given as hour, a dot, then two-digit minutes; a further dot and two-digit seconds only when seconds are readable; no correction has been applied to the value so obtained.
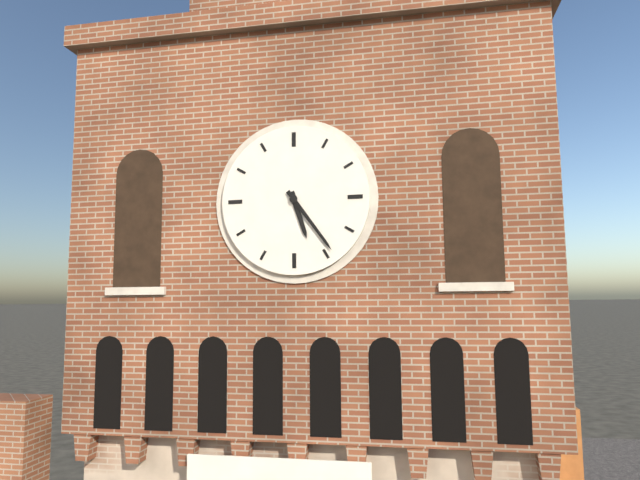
5.24
